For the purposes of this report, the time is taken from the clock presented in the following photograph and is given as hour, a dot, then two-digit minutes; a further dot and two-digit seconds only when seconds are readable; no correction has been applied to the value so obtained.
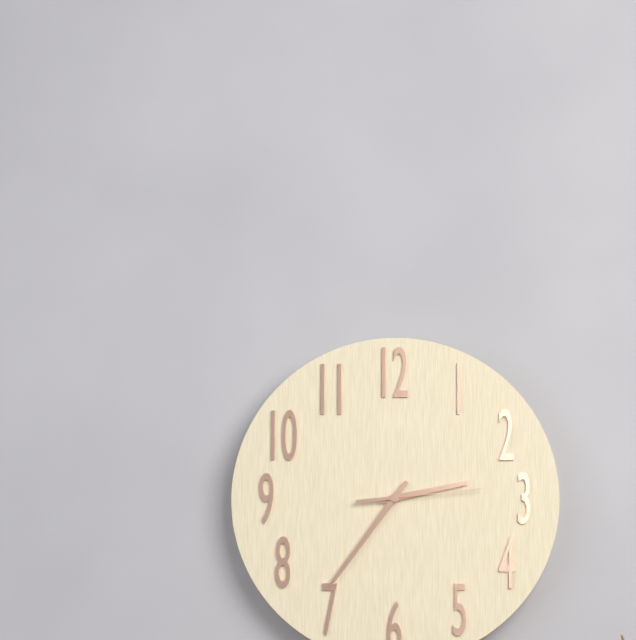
2.36.14
